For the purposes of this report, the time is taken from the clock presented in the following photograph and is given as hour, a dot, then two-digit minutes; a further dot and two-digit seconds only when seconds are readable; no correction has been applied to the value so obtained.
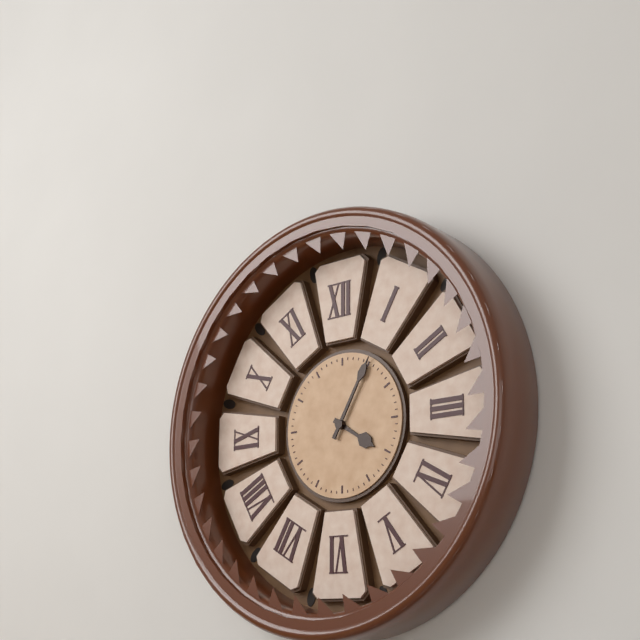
4.05
